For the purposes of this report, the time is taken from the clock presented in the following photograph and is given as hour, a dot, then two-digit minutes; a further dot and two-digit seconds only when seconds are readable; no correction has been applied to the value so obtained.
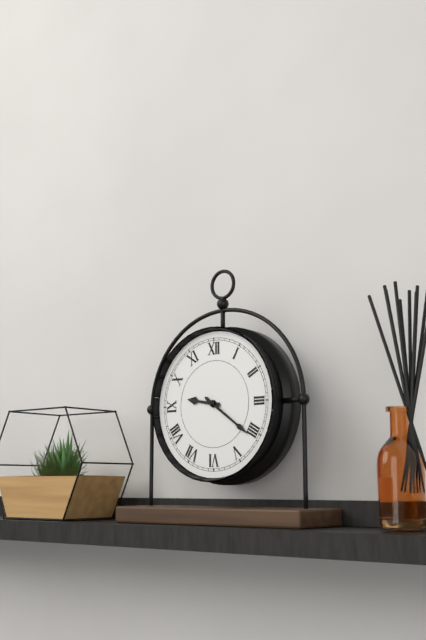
9.21
